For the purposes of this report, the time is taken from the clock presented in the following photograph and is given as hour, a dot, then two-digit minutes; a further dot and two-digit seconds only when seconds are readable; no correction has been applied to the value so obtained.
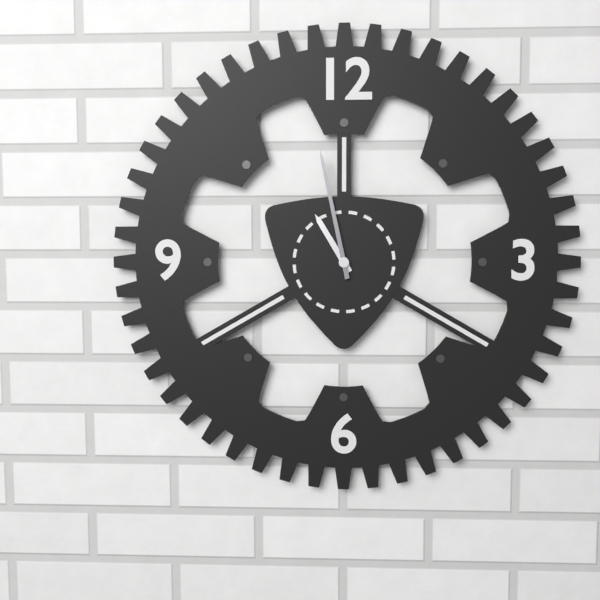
10.58
